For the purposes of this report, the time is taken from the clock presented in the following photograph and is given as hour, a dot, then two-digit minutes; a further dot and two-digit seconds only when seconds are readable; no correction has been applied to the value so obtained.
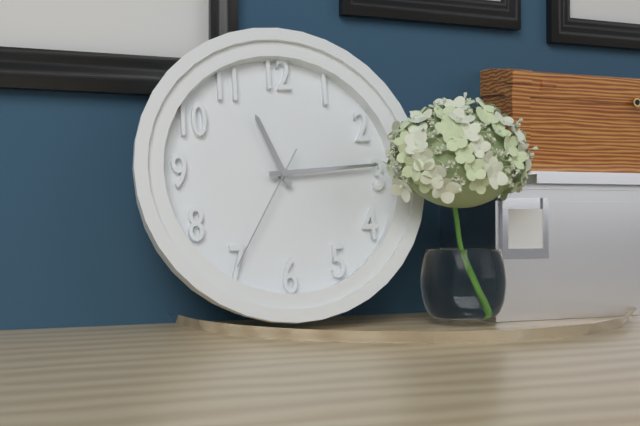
11.14.35
